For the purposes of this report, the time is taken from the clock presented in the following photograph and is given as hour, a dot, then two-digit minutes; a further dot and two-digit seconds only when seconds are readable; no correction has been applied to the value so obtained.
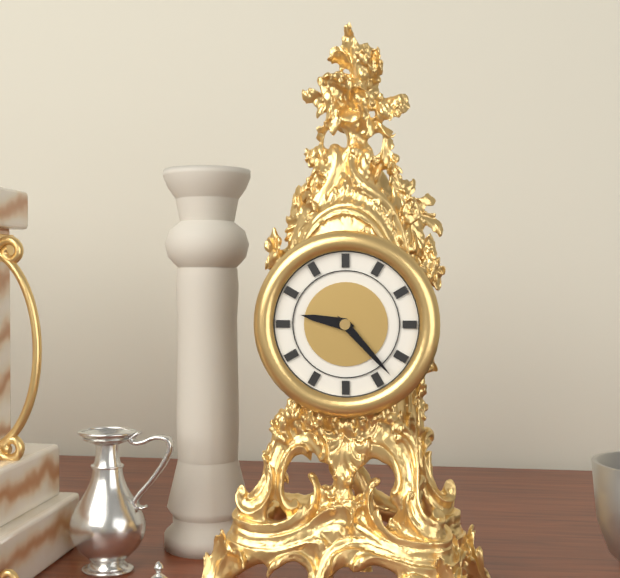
9.23
